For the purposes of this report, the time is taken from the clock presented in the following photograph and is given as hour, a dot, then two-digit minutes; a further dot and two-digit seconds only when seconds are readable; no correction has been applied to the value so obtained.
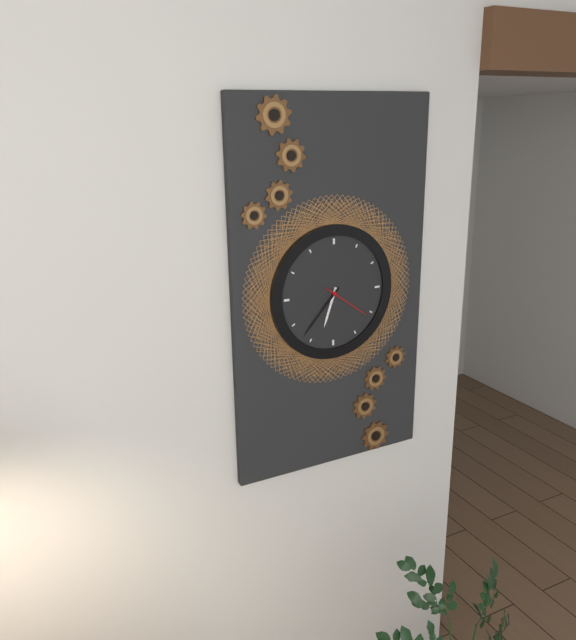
6.37.21
